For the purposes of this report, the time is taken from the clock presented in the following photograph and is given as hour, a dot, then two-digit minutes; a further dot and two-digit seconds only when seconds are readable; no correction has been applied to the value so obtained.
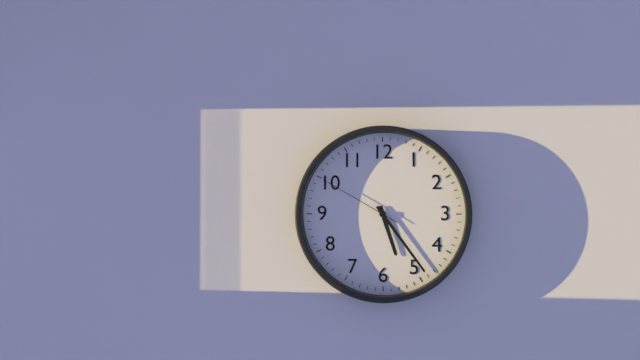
5.24.50
